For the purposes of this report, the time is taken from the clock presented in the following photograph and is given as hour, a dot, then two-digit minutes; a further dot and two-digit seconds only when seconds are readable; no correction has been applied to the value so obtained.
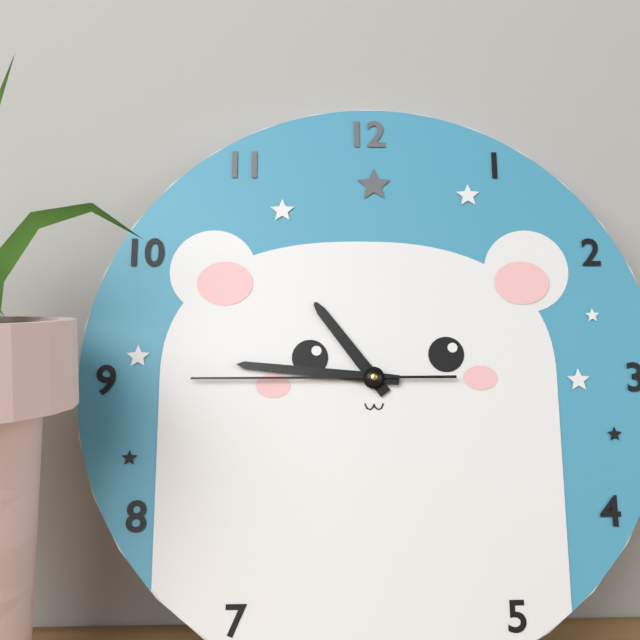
10.46.45
